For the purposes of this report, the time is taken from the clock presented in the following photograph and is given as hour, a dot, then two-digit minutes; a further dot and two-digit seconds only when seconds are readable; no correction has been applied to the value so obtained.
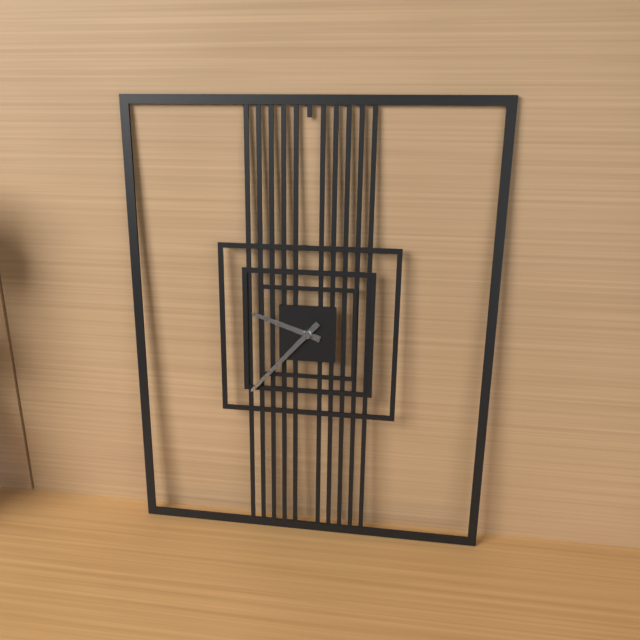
9.37
